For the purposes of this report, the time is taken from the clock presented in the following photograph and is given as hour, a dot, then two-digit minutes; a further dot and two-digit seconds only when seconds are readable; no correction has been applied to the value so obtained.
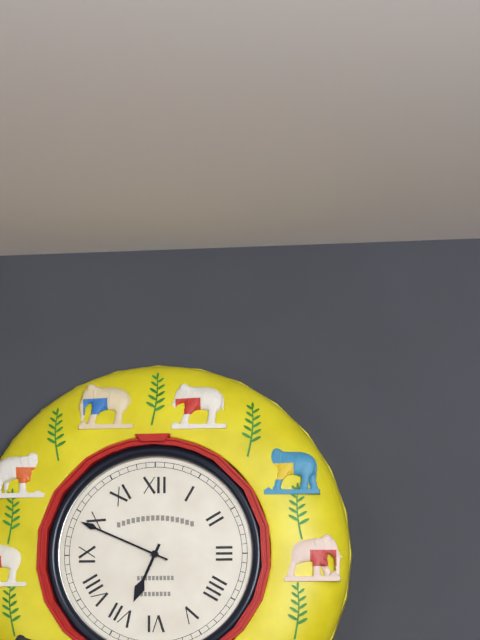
6.49
